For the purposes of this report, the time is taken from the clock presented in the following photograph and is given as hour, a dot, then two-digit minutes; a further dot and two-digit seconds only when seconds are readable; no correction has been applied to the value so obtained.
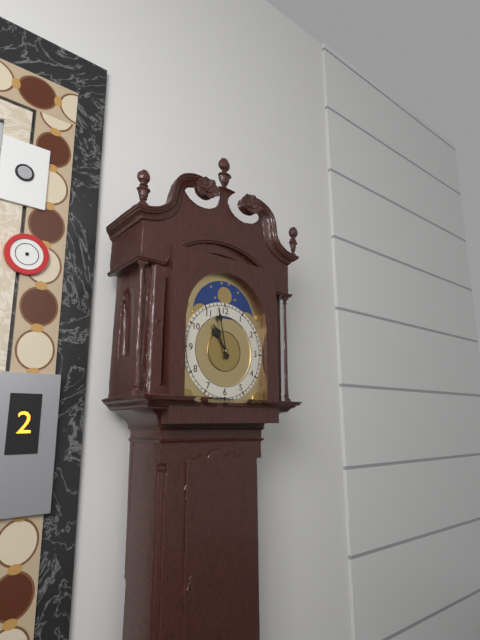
10.58
